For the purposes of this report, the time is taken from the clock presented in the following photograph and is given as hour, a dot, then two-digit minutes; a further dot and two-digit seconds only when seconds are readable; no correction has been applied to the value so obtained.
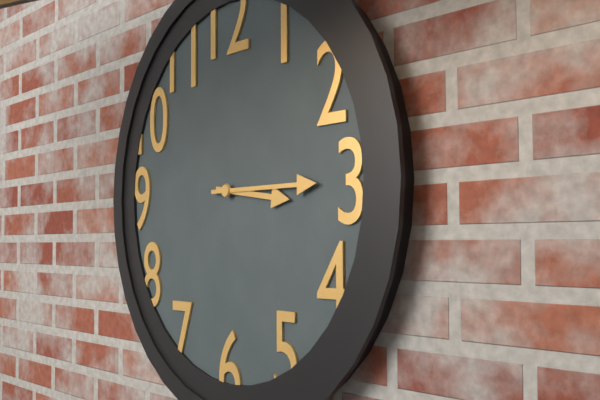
3.15
